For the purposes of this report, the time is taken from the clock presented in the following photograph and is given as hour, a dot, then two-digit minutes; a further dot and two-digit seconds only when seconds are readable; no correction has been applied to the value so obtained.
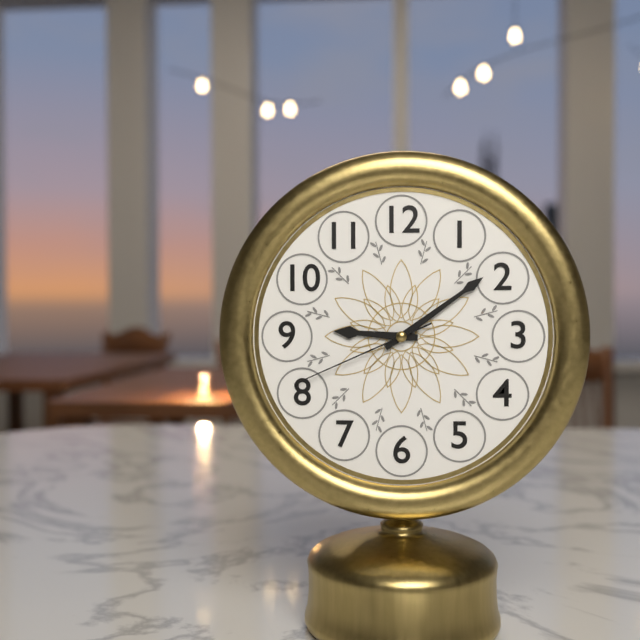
9.09.41
